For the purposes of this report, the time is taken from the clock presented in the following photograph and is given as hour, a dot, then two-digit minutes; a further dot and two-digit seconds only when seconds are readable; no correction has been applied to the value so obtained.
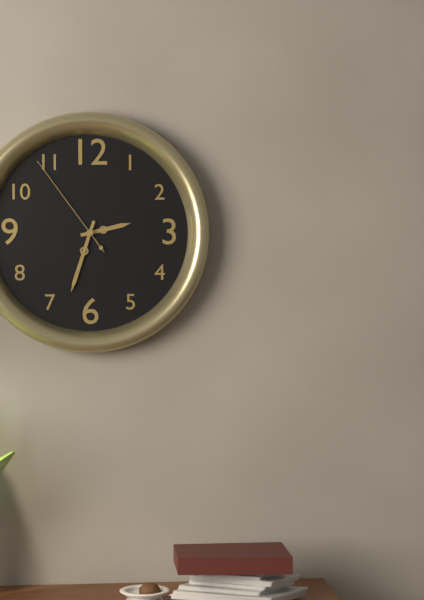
2.33.54
